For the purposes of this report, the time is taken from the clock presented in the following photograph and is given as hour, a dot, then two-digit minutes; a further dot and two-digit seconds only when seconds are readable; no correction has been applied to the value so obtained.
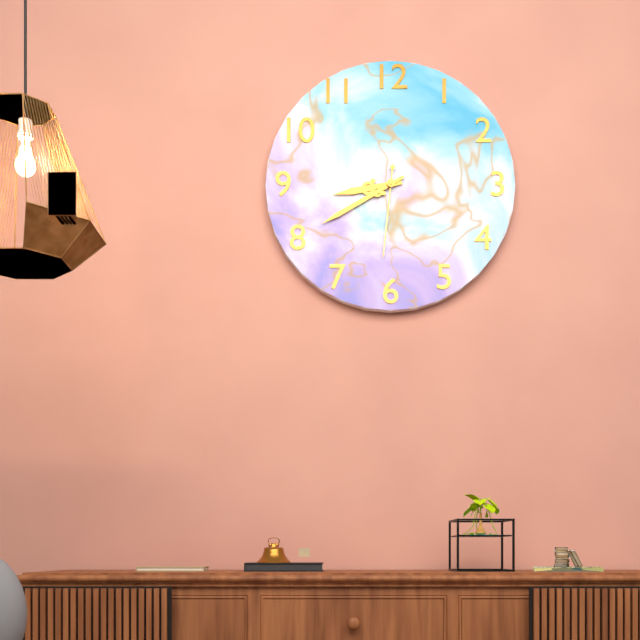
8.40.31
